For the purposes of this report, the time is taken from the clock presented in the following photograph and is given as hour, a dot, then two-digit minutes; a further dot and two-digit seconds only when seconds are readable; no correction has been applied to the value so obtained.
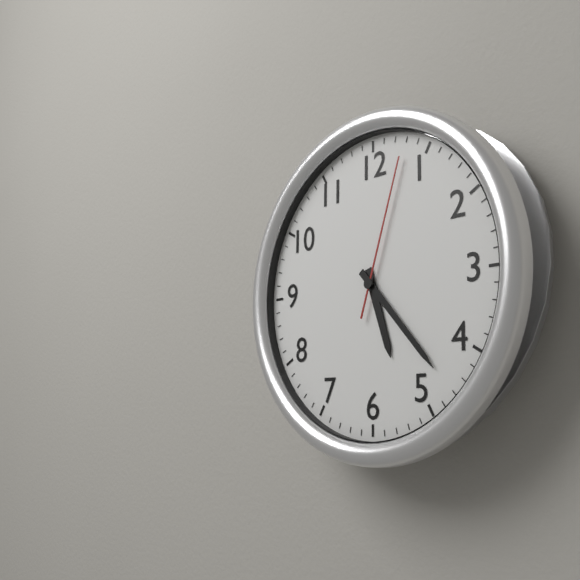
5.23.03
